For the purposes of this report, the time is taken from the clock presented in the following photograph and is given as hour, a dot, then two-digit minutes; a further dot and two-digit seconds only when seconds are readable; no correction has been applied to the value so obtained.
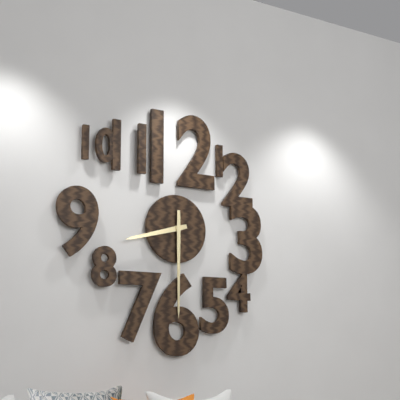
8.30
